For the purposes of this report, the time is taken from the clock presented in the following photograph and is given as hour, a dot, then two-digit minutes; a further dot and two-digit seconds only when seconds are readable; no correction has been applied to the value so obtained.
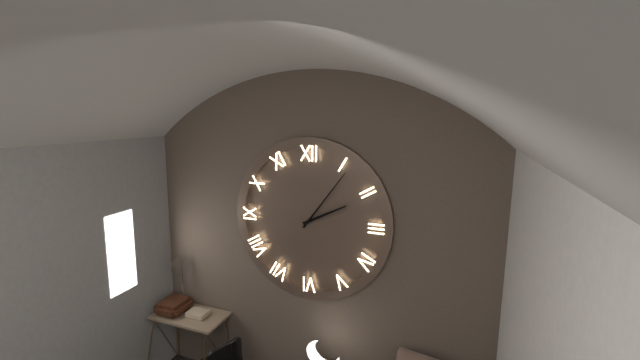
2.06
